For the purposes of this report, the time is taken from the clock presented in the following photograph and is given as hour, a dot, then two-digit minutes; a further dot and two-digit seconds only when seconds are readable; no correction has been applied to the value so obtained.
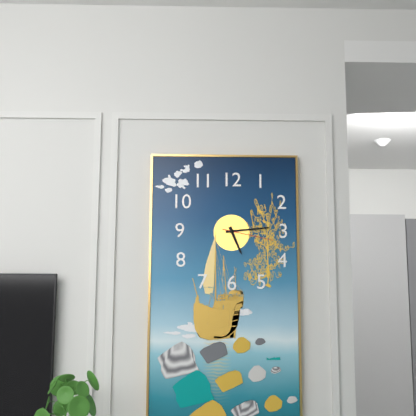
5.14.17
